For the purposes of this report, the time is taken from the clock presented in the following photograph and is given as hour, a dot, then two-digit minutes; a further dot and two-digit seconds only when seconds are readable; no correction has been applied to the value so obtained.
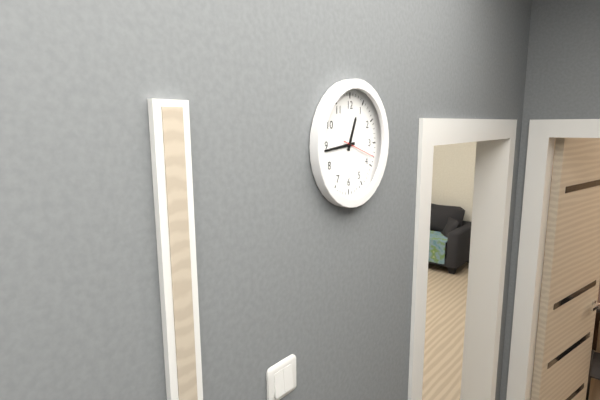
12.44
